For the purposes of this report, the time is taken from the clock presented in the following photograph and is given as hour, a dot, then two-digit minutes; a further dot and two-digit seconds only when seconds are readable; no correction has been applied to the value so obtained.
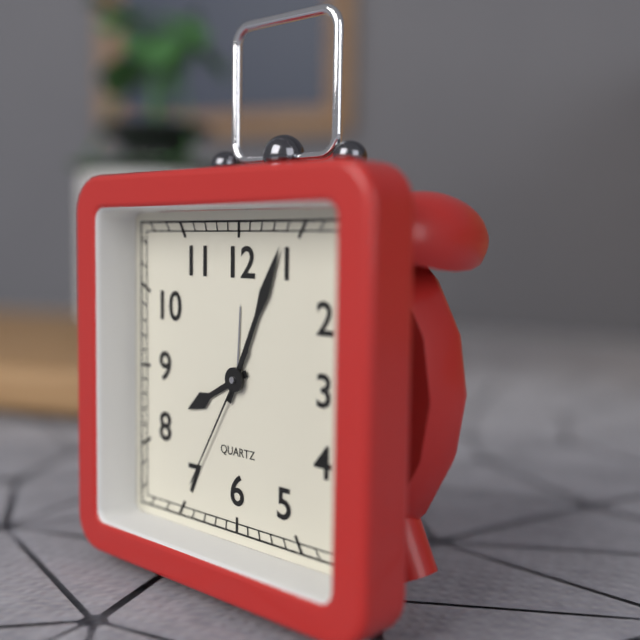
8.04.35
